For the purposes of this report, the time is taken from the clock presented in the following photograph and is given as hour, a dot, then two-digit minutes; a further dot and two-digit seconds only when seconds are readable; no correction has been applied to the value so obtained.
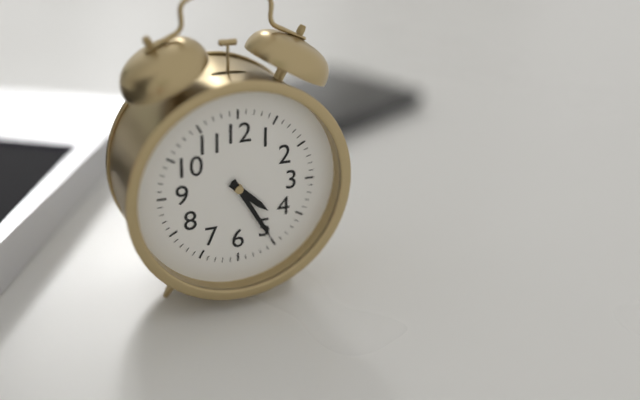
4.25
